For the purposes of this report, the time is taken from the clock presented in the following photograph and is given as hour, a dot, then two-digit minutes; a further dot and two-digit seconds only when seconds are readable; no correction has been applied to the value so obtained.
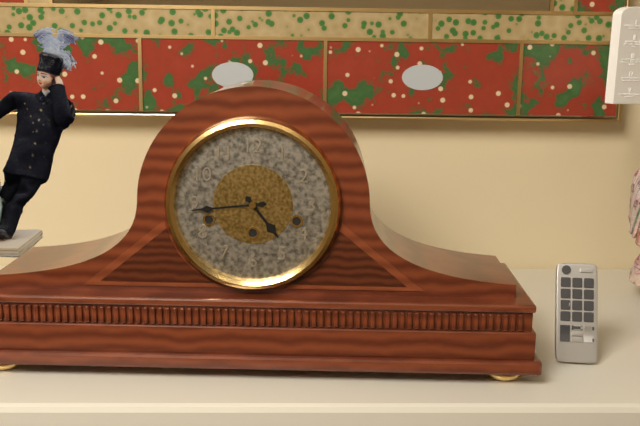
4.44
